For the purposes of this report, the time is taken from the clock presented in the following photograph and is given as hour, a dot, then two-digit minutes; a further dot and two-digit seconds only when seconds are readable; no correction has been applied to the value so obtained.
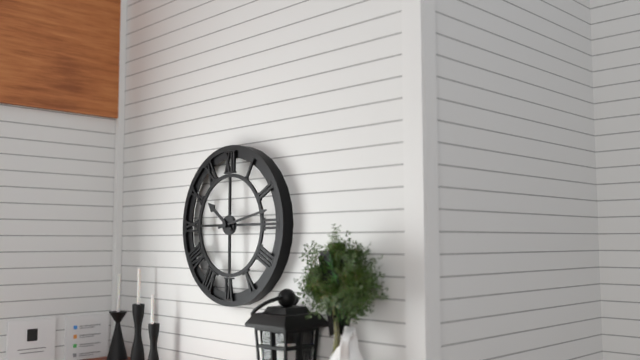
10.13
